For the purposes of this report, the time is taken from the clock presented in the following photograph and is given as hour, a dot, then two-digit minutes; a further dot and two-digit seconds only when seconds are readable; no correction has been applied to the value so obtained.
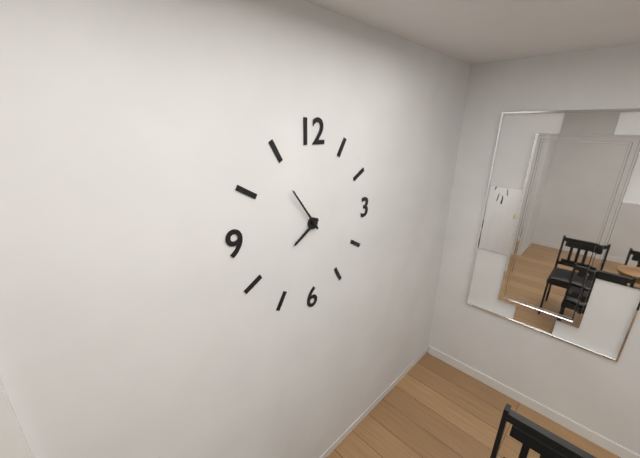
7.54
